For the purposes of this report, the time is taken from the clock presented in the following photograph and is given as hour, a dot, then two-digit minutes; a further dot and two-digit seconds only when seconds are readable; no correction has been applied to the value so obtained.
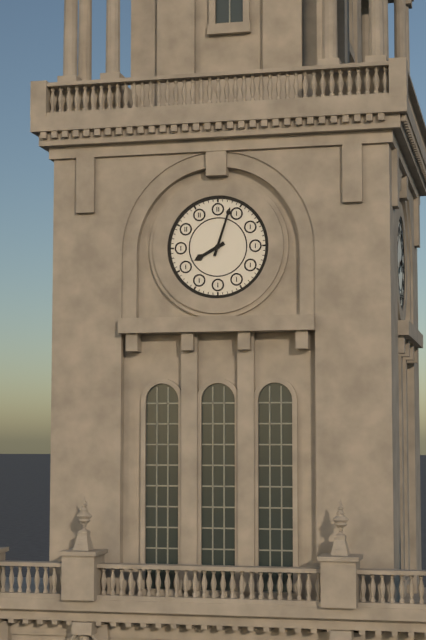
8.03
